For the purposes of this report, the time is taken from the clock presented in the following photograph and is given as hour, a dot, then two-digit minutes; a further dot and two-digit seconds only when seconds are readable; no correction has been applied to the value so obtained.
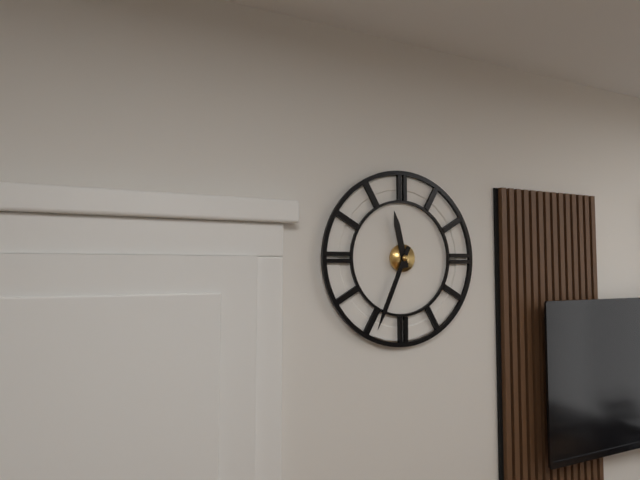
11.34
